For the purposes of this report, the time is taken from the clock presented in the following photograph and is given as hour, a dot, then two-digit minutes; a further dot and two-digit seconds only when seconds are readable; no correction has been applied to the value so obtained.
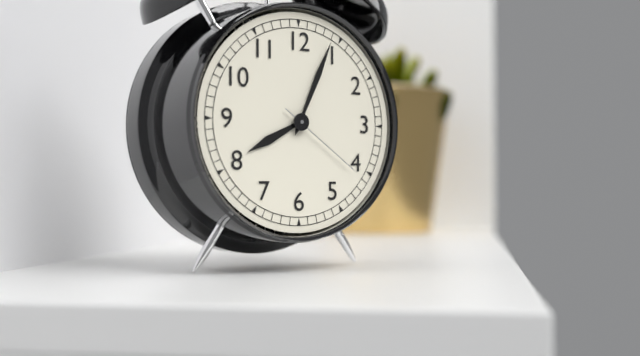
8.04.21
